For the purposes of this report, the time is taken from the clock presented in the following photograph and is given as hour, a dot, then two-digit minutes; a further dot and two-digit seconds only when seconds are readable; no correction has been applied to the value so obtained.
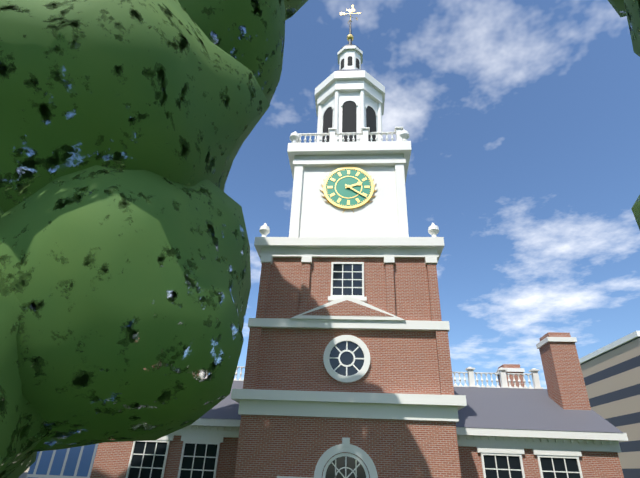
2.21
